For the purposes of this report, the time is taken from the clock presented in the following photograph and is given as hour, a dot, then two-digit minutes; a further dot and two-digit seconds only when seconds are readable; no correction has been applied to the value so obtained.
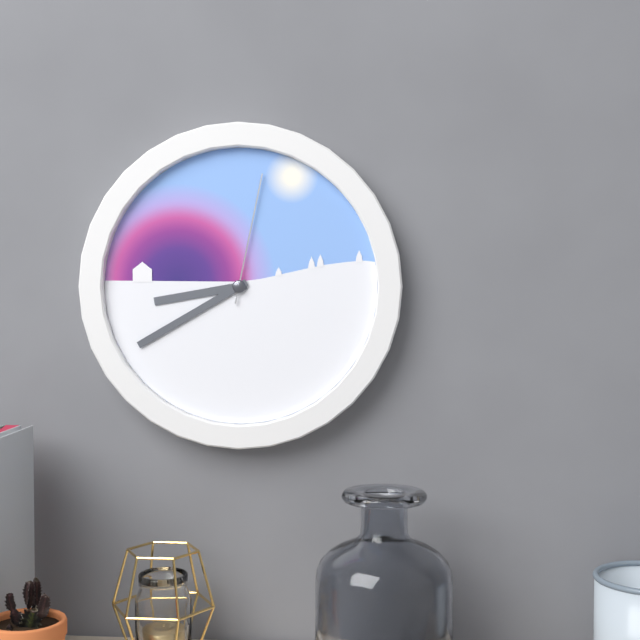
8.40.02
